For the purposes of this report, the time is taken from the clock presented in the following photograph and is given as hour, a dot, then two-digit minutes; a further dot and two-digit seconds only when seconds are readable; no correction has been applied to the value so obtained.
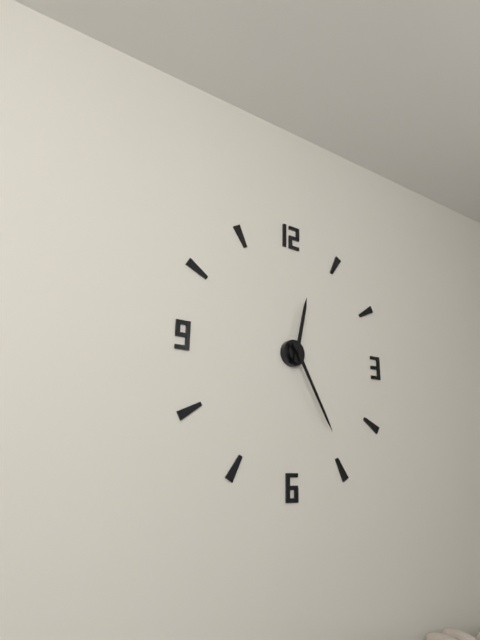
12.25
